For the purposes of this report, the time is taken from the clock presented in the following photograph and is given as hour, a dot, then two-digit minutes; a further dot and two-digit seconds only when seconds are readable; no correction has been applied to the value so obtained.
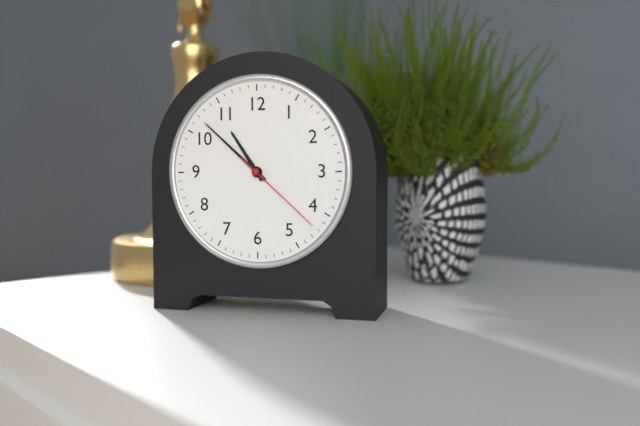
10.52.22
